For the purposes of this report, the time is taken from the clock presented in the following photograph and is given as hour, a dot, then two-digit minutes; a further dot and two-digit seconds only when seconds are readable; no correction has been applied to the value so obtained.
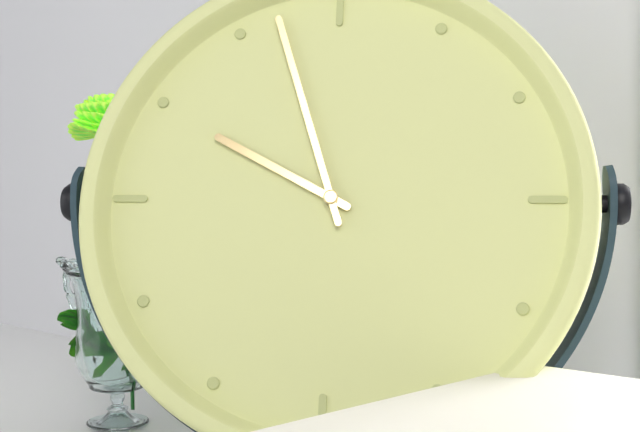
9.57
